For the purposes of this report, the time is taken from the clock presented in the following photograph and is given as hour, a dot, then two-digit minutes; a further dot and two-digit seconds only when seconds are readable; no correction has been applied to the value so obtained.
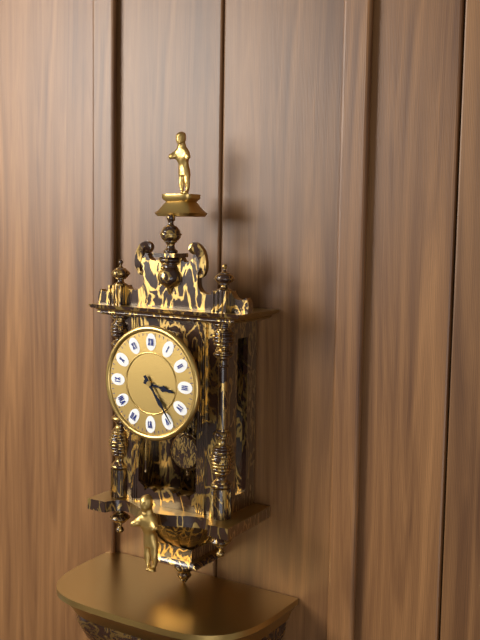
3.24
